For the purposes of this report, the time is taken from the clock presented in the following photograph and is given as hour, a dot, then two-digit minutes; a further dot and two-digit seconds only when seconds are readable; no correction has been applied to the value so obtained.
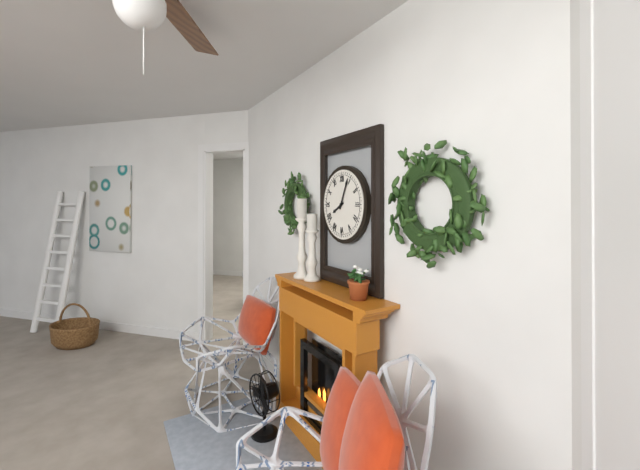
8.04
